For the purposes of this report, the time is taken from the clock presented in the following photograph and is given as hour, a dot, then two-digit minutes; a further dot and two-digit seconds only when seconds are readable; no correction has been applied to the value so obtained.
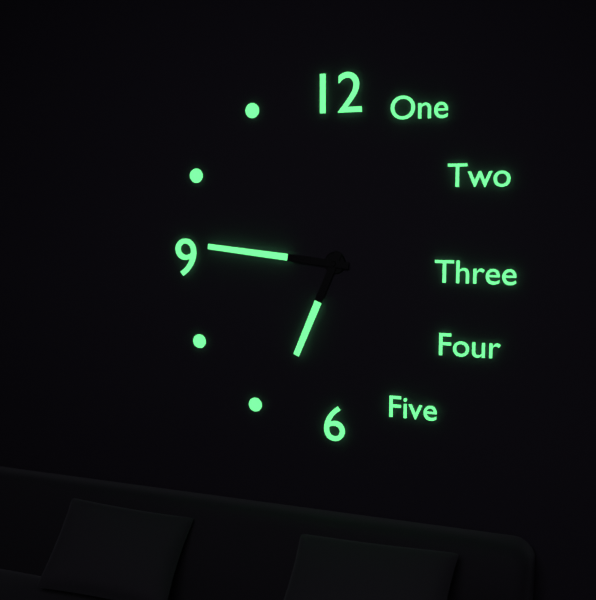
6.46
